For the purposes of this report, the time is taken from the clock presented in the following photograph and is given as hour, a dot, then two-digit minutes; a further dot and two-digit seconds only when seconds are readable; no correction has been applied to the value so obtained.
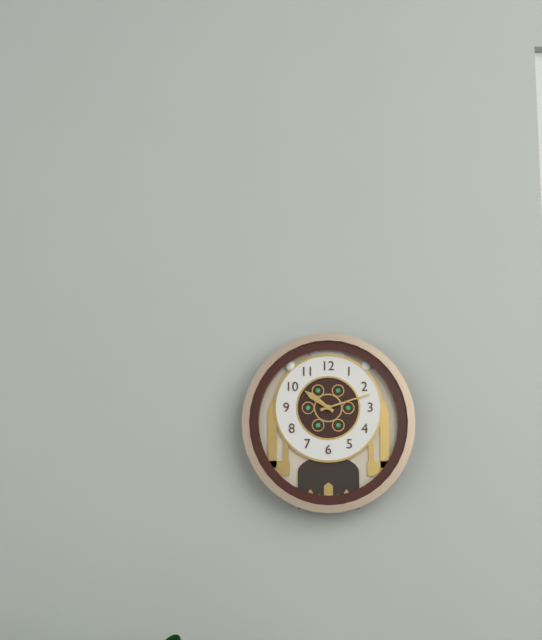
10.12
